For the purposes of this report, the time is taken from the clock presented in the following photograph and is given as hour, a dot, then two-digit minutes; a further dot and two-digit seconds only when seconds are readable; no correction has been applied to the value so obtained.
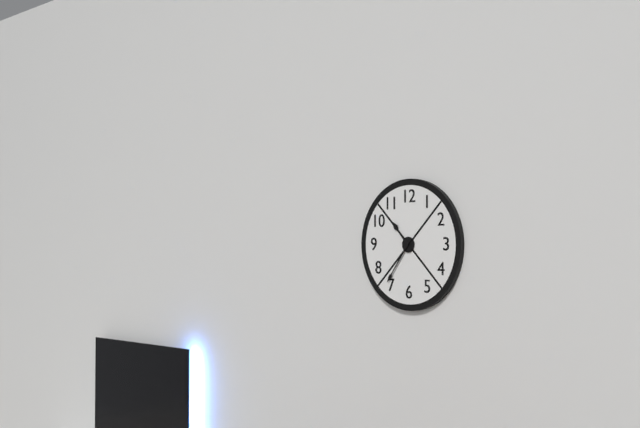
10.36
